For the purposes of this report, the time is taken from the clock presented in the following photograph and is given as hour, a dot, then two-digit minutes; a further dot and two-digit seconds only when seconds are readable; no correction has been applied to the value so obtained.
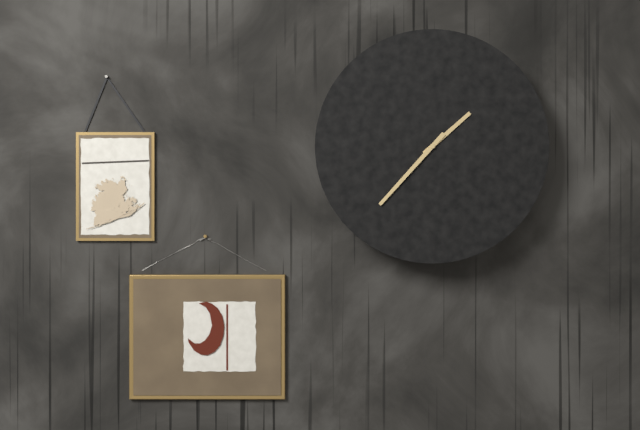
1.37
